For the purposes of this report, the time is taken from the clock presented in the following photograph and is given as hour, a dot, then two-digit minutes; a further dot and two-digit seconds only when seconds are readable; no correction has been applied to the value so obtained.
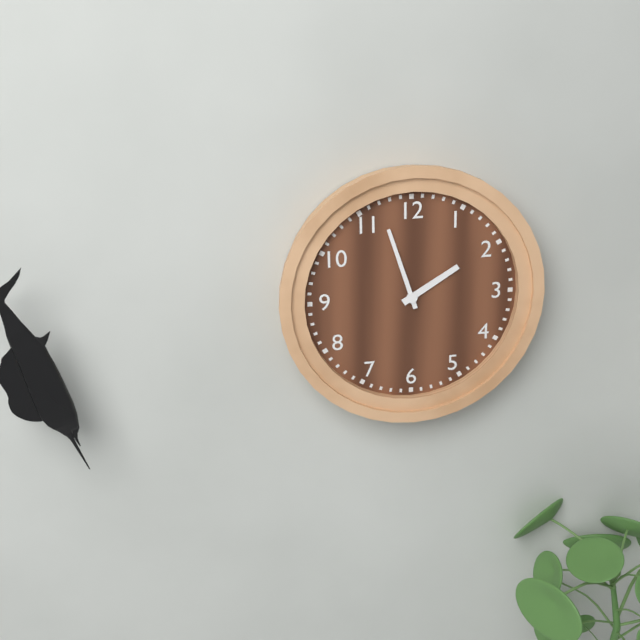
1.57
